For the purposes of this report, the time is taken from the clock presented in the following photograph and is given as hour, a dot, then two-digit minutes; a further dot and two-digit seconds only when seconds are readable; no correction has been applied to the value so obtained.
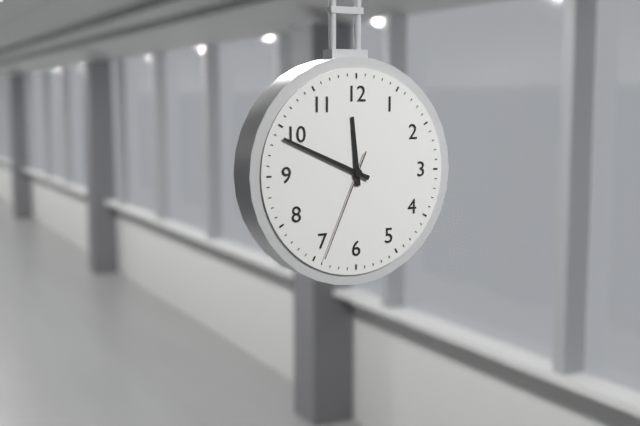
11.49.34
